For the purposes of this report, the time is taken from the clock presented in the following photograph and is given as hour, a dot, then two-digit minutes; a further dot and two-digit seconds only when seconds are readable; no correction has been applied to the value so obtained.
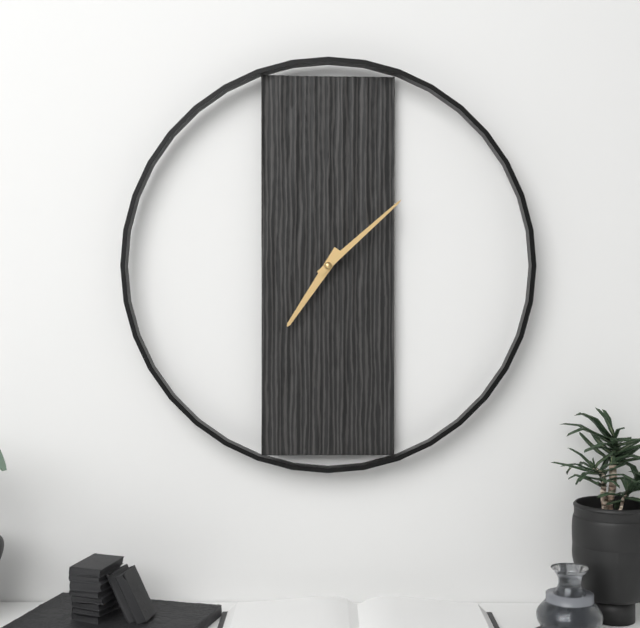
7.08
